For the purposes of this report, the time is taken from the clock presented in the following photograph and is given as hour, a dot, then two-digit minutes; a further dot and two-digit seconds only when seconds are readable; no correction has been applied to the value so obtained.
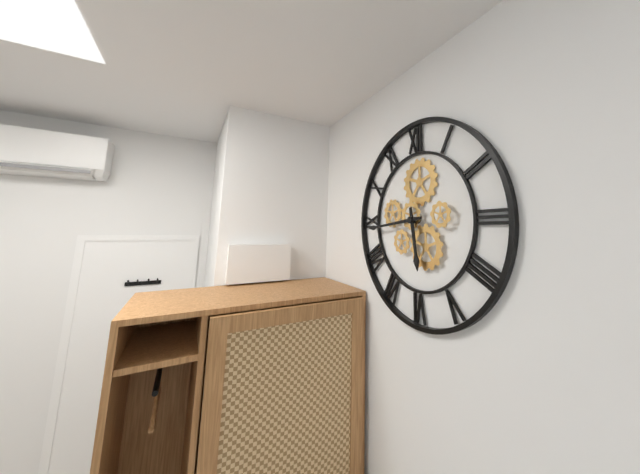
5.44
